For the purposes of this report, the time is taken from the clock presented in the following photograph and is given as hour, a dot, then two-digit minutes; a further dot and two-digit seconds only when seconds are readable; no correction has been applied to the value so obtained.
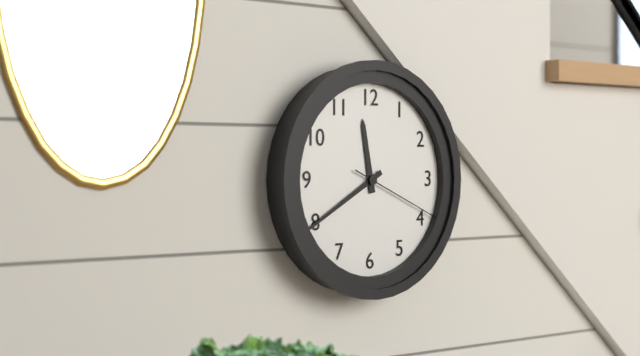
11.40.19
